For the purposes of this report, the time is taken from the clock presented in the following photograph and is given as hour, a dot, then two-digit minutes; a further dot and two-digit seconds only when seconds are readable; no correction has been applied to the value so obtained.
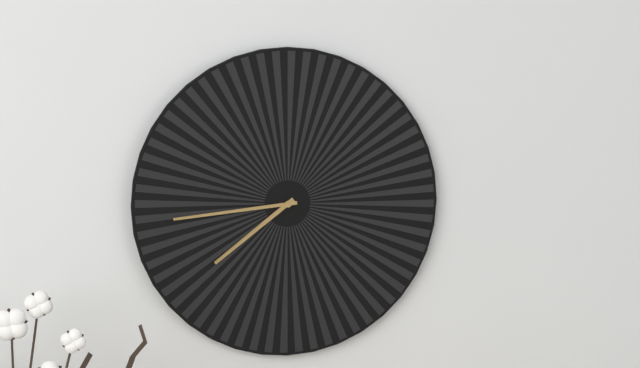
7.44
